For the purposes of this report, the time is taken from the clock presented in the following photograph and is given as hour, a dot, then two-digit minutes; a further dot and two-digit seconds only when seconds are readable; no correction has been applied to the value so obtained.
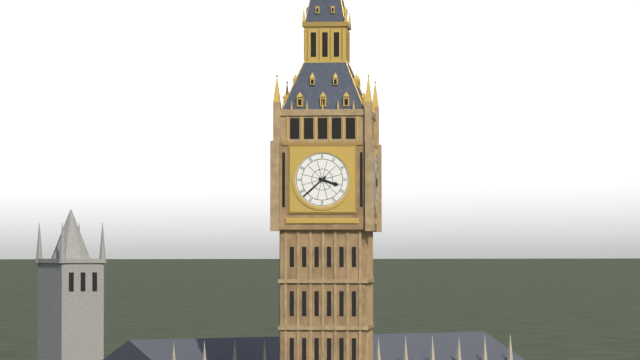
3.38
